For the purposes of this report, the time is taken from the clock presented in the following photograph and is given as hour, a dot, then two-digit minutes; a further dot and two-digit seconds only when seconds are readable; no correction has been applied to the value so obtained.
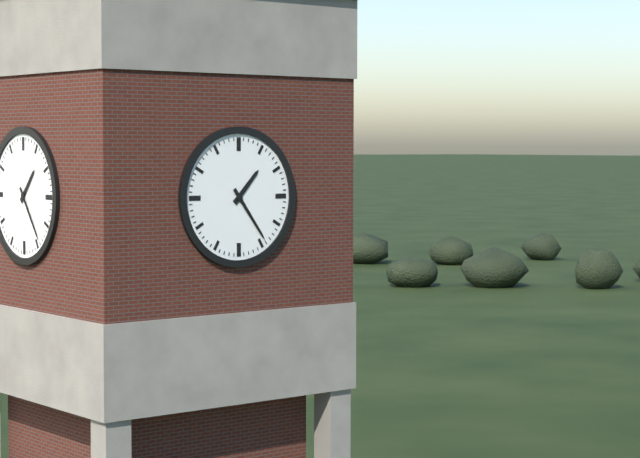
1.24
